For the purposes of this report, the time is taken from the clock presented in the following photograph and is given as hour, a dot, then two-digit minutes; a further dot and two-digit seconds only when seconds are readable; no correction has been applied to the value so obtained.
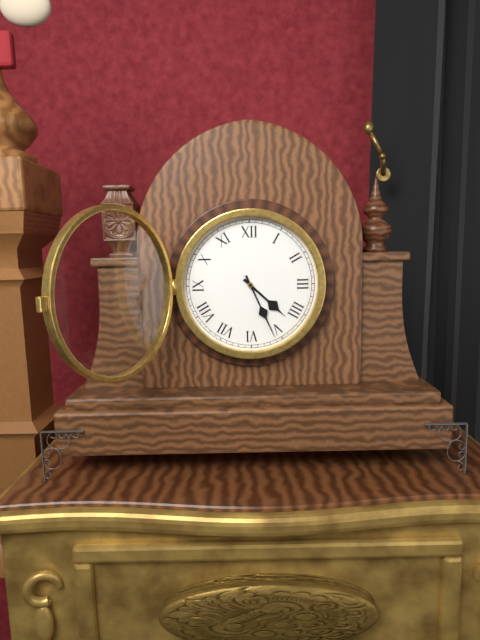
4.26
